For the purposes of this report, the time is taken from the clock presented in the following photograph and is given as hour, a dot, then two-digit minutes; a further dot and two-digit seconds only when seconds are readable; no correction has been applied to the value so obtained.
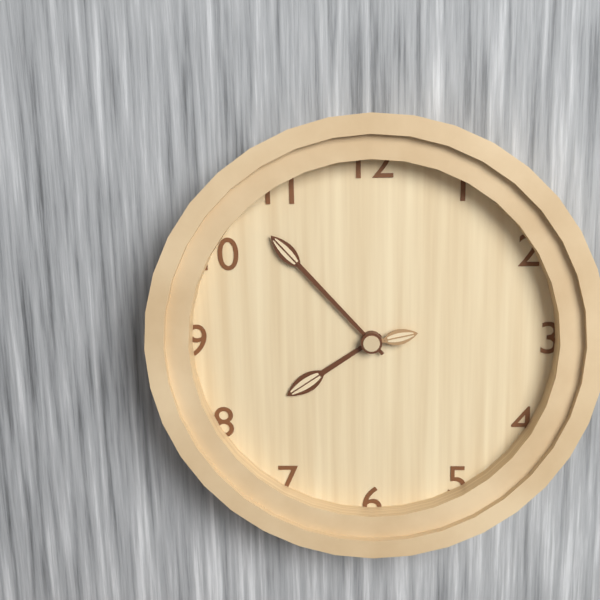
7.53.13
